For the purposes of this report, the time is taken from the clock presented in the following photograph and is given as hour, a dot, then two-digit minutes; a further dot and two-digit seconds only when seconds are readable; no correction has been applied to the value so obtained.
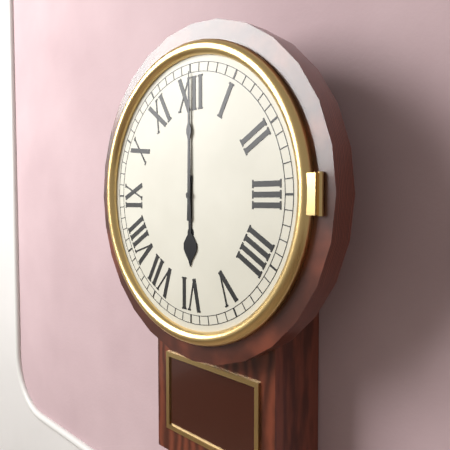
6.00
